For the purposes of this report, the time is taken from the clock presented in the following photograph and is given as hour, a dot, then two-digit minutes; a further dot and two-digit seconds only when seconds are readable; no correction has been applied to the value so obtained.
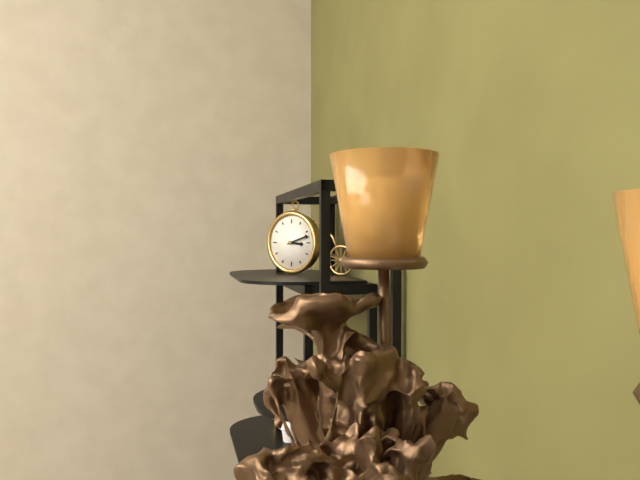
3.12
